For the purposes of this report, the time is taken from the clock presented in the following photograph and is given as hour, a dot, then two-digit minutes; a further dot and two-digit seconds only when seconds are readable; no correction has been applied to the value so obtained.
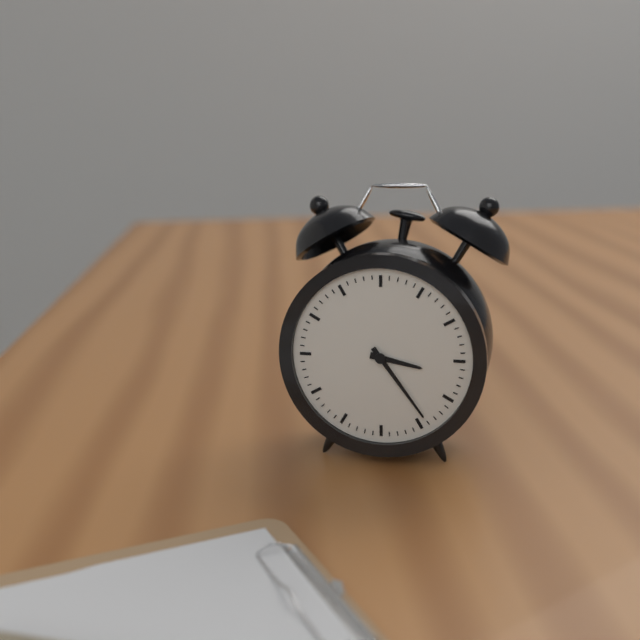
3.24
